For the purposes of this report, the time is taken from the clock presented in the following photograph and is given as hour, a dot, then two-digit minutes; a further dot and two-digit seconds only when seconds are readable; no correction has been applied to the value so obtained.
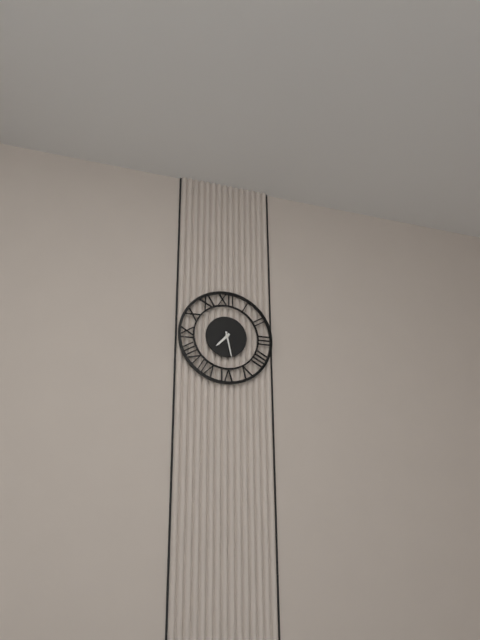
7.28
